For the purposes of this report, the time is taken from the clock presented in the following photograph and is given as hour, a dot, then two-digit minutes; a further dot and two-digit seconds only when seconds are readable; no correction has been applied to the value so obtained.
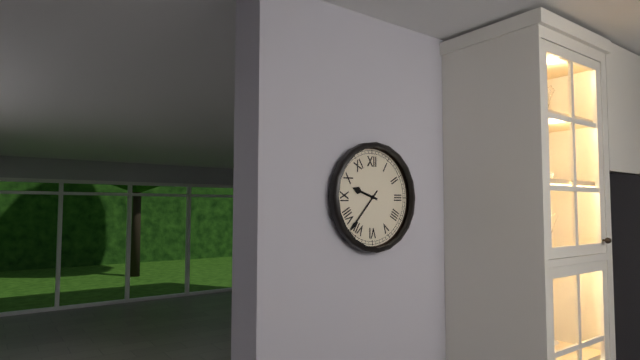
9.37
